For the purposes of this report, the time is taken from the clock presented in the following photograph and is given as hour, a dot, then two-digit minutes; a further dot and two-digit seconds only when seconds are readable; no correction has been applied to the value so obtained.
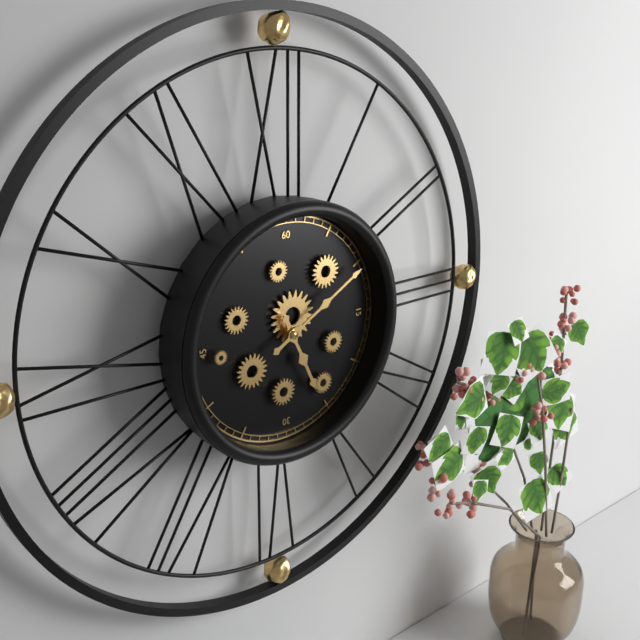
5.10
